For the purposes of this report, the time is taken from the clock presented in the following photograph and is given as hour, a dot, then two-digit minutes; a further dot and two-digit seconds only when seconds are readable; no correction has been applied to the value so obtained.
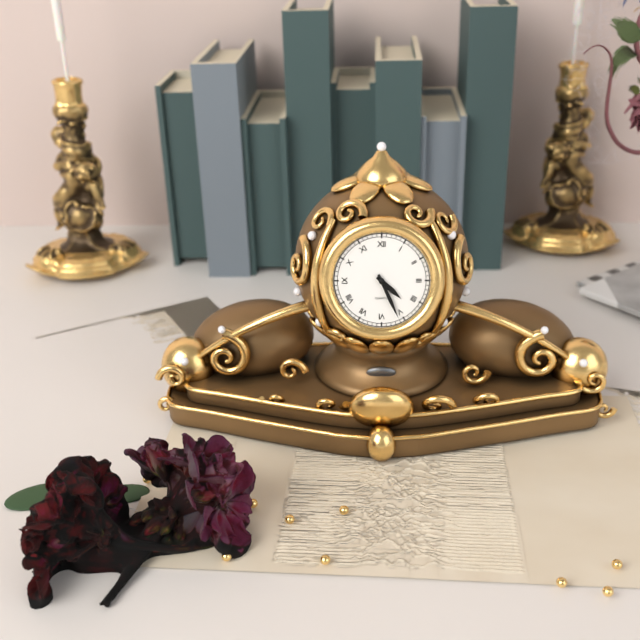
4.26
